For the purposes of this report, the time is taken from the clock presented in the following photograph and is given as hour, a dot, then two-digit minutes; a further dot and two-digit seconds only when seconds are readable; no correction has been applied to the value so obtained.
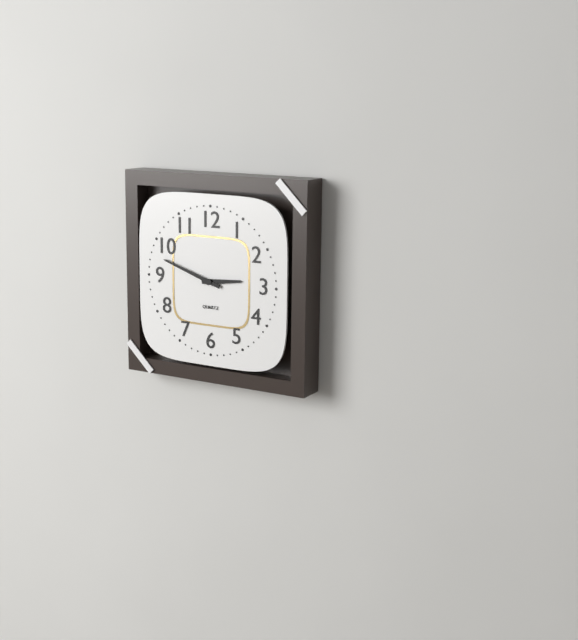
2.48
